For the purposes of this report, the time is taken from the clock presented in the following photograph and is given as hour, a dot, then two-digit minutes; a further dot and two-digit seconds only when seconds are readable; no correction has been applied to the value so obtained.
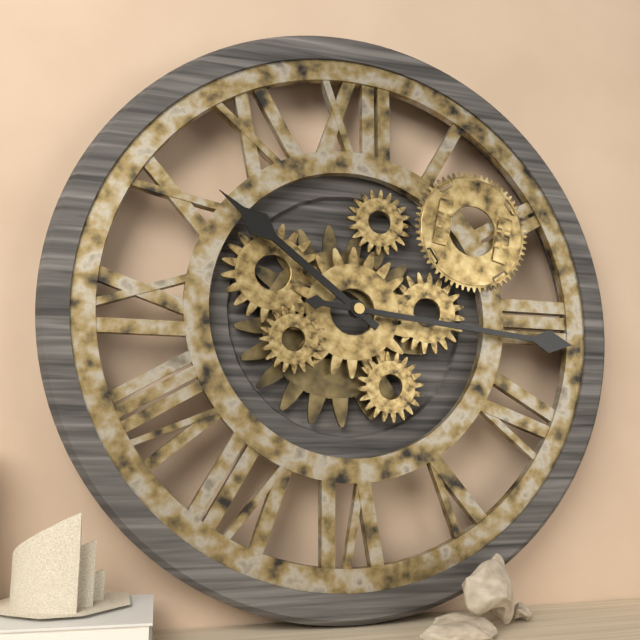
10.16
